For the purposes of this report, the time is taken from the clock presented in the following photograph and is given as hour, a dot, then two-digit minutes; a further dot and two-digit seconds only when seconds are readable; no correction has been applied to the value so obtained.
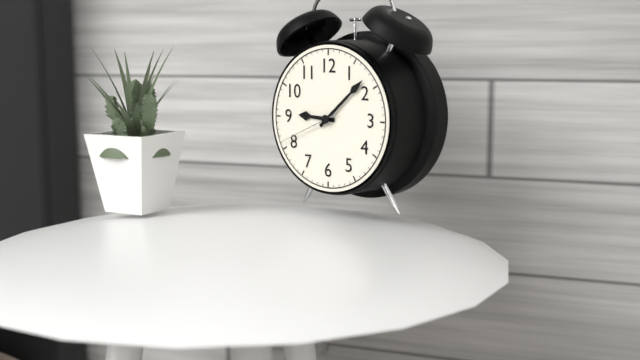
9.08.41
